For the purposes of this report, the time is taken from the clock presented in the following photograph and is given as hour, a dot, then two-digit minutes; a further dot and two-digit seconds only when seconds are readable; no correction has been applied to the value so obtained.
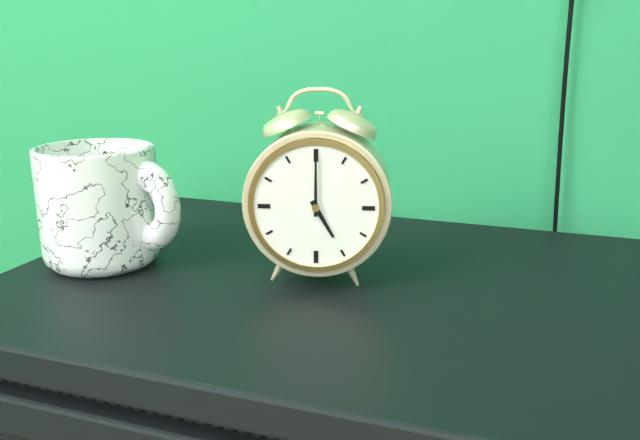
5.00
